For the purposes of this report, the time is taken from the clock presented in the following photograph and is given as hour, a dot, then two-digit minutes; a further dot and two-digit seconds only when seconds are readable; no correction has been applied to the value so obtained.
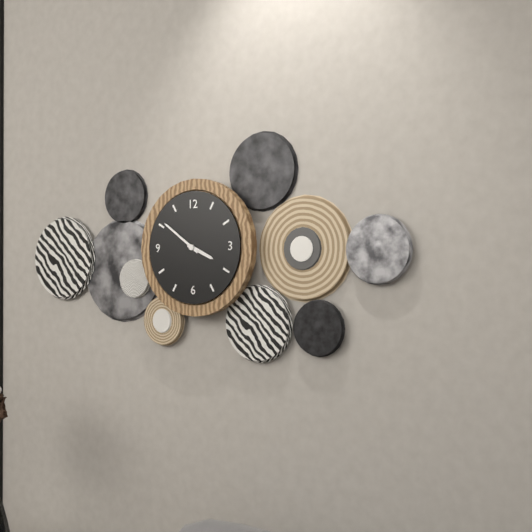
3.51
